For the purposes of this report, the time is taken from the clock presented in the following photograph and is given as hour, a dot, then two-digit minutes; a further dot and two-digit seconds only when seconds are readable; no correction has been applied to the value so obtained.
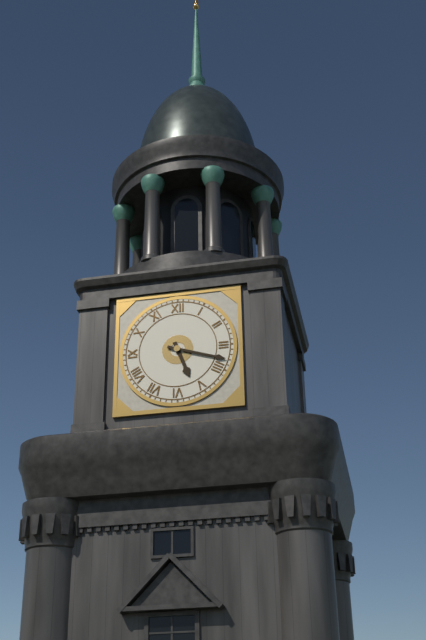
5.18
